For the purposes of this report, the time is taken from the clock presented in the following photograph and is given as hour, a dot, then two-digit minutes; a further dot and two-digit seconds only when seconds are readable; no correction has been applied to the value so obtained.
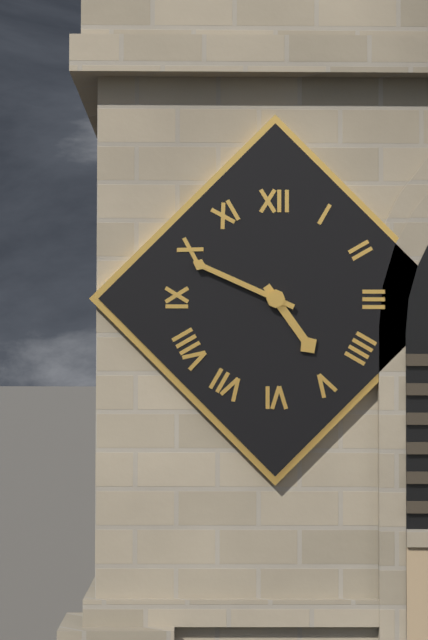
4.49
